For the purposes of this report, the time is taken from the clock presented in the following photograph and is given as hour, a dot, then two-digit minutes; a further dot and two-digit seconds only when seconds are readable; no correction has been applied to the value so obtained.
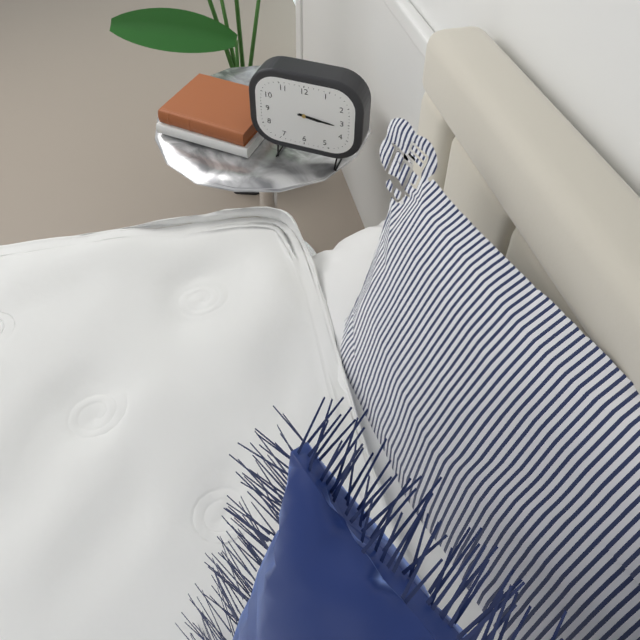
3.16
